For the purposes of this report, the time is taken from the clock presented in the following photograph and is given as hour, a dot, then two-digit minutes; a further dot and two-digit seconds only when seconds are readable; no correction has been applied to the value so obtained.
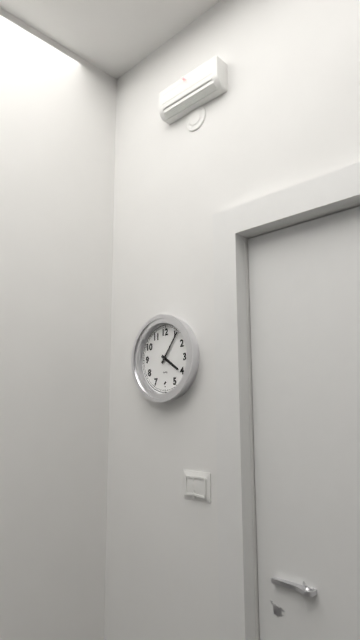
4.06
